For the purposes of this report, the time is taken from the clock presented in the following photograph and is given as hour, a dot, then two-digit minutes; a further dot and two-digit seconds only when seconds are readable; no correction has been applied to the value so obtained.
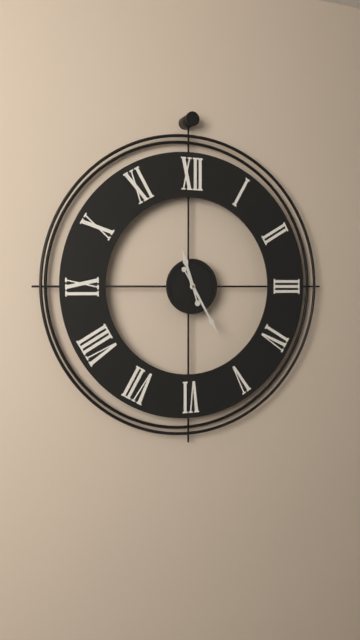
11.25
